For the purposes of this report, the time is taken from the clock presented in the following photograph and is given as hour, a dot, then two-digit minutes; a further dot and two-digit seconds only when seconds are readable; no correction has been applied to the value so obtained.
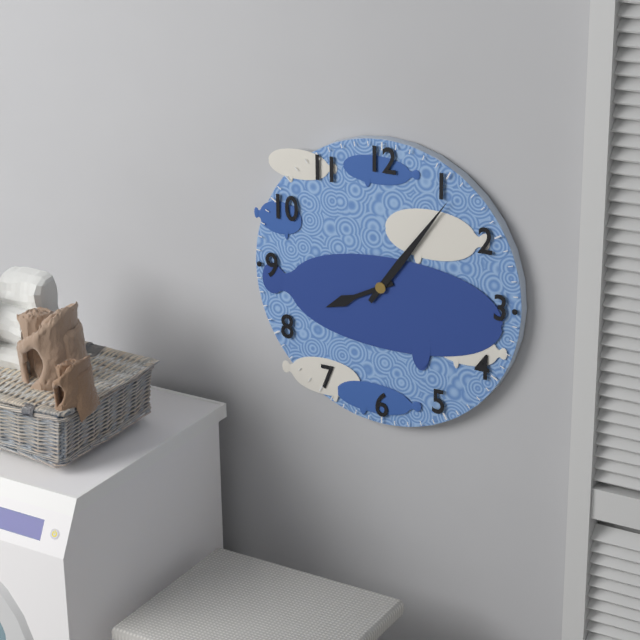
8.06
